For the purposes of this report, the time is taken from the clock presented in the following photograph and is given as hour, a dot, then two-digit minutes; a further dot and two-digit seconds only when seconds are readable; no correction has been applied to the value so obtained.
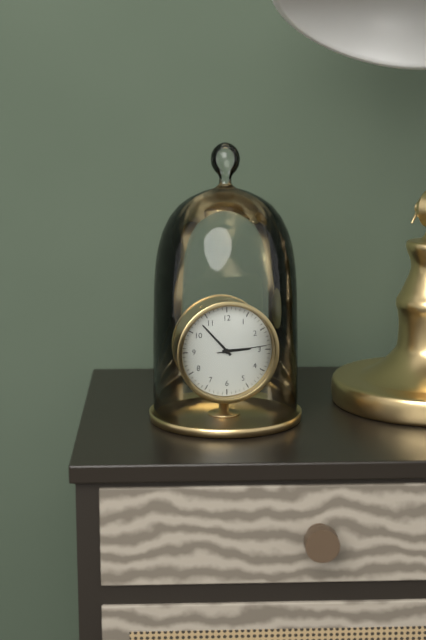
2.53.14
